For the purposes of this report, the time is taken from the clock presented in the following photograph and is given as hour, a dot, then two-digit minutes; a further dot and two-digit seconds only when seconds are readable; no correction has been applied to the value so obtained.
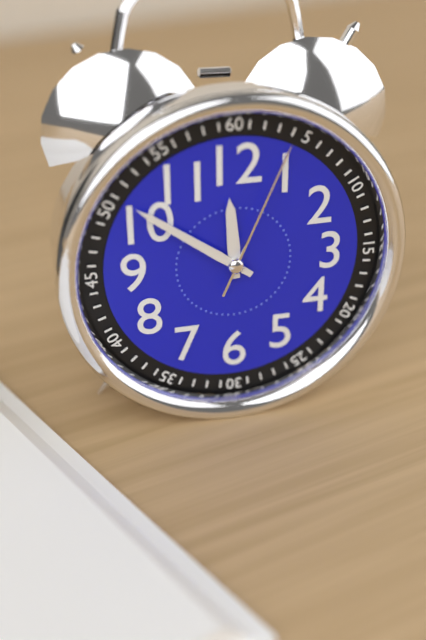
11.51.04
